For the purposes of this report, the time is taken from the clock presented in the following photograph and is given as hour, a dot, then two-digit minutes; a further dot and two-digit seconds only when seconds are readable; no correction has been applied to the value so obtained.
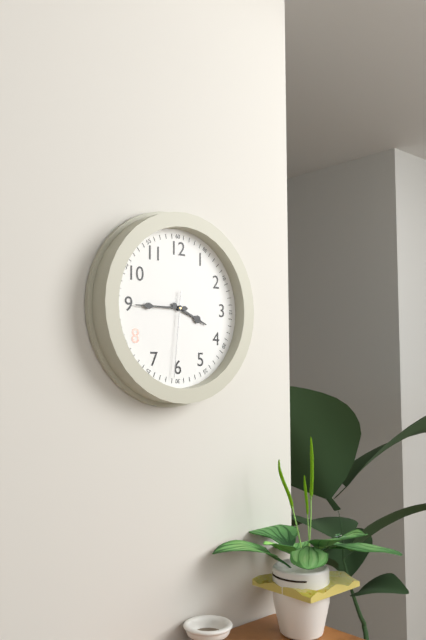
3.45.31
